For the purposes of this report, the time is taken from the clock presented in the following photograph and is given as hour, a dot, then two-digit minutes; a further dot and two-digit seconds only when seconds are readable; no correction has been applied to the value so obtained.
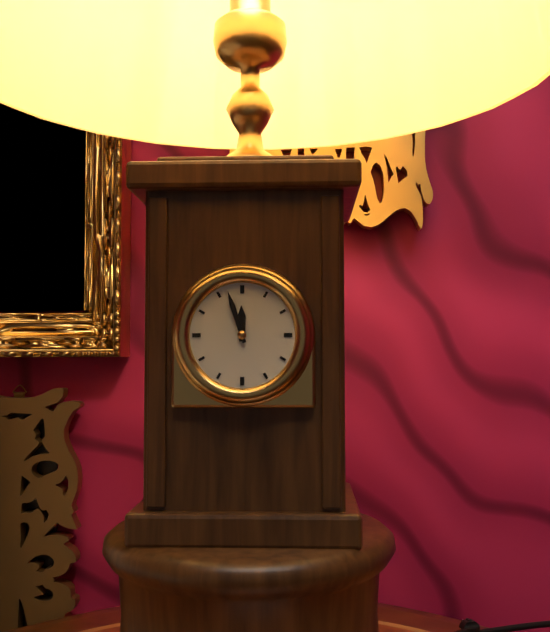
11.57
